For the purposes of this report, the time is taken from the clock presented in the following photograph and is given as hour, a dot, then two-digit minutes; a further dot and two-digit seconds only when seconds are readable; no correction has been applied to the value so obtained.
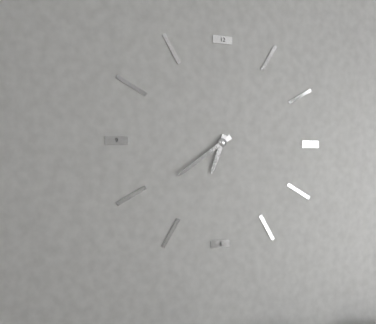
6.39
